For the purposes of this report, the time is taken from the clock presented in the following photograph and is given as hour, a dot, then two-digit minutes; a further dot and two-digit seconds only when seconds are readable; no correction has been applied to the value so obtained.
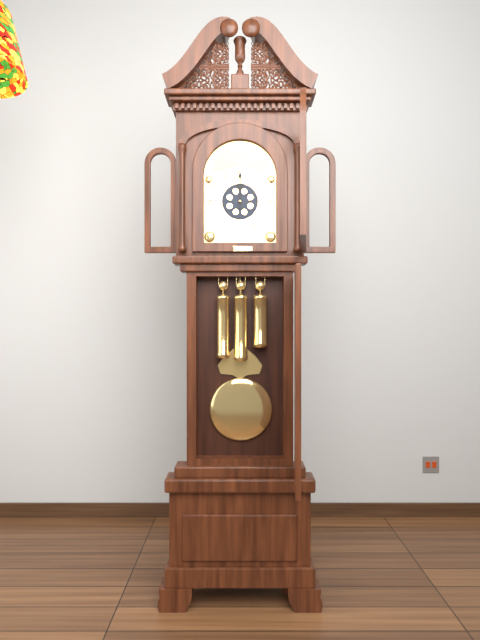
12.00
